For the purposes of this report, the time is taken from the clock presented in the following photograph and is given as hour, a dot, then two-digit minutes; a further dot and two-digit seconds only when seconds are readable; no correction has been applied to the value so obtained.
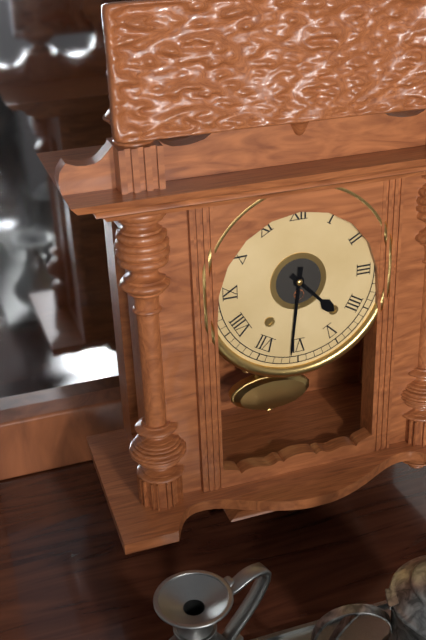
4.31
